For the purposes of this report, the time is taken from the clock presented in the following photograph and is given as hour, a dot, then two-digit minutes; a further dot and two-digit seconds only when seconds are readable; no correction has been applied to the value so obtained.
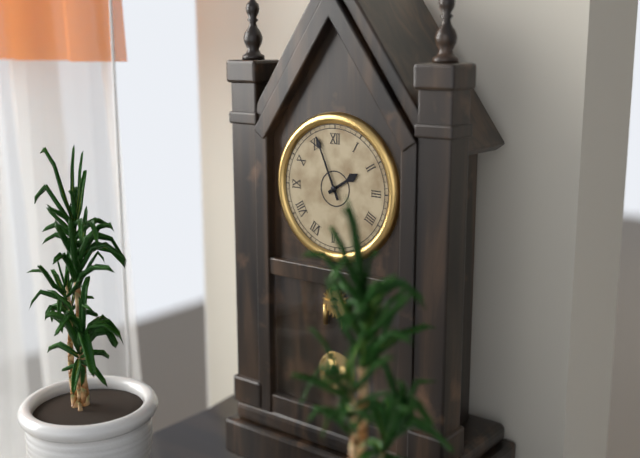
1.56
